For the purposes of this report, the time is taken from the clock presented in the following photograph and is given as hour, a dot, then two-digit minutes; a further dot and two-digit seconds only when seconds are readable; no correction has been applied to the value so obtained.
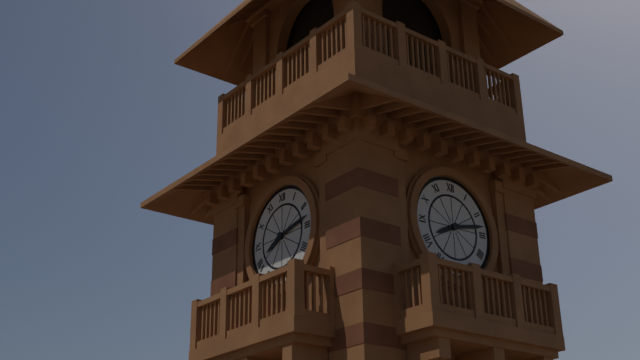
8.13
